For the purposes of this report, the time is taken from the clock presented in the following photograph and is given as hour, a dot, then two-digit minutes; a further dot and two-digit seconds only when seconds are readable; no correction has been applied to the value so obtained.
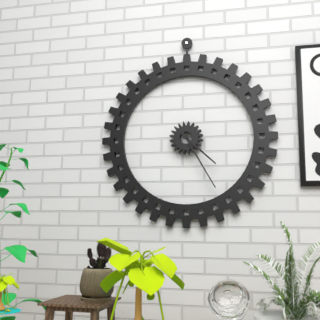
4.25
